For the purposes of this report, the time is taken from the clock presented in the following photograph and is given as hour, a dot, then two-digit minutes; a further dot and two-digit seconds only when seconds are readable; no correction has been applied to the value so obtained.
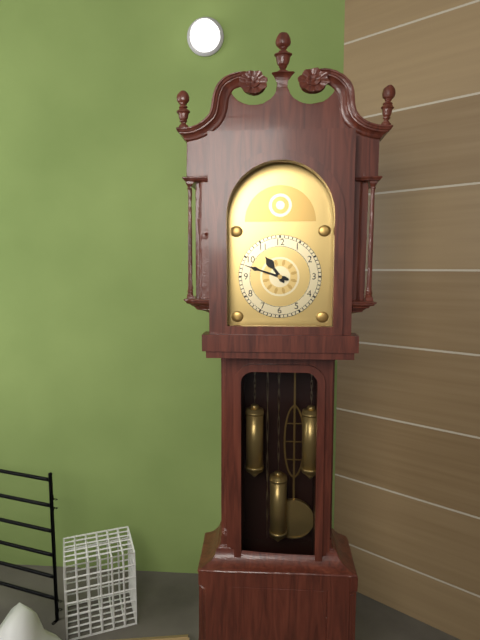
10.48
